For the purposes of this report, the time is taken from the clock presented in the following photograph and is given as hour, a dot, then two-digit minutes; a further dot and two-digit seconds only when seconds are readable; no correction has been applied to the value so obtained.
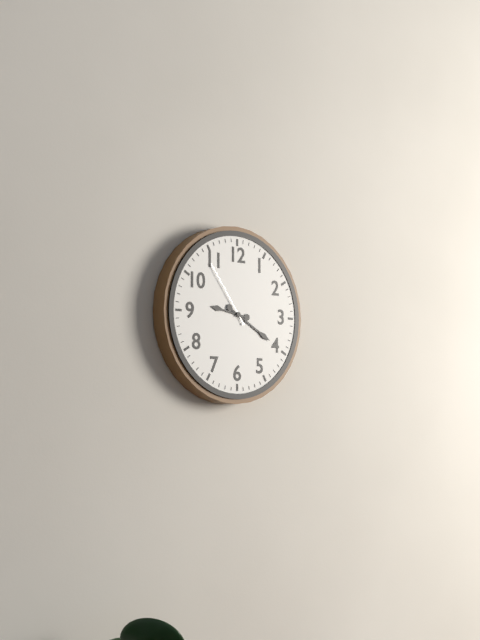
9.20.54
